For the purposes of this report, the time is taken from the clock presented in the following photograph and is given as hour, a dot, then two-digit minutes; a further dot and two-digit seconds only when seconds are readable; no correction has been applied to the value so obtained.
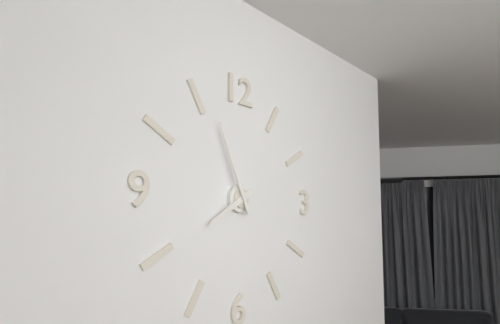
7.56
